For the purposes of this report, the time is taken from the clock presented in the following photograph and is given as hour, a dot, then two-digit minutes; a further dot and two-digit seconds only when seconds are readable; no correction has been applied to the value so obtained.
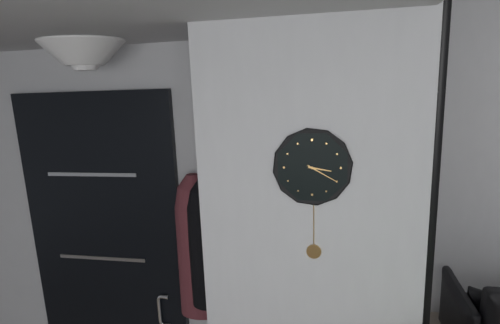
3.20
